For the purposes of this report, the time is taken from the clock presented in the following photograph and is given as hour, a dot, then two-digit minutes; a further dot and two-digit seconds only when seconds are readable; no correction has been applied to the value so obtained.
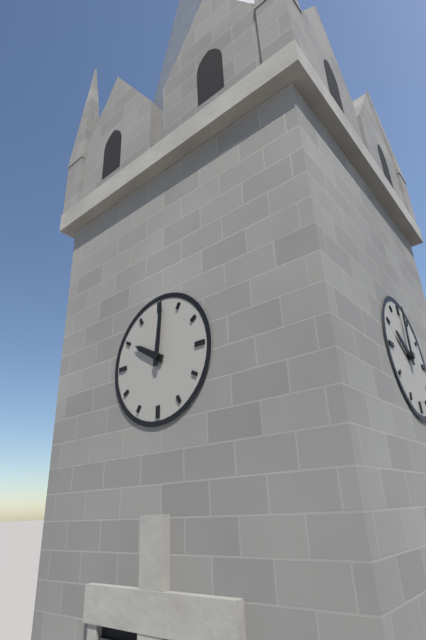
10.01
